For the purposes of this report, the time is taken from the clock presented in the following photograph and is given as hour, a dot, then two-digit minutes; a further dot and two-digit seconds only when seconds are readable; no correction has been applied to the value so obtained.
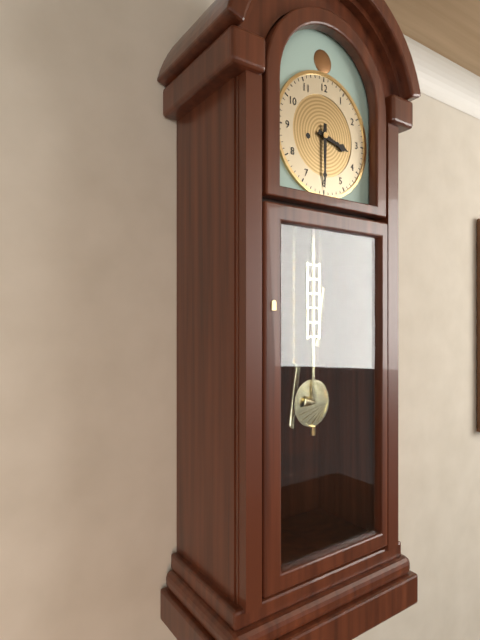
3.30
